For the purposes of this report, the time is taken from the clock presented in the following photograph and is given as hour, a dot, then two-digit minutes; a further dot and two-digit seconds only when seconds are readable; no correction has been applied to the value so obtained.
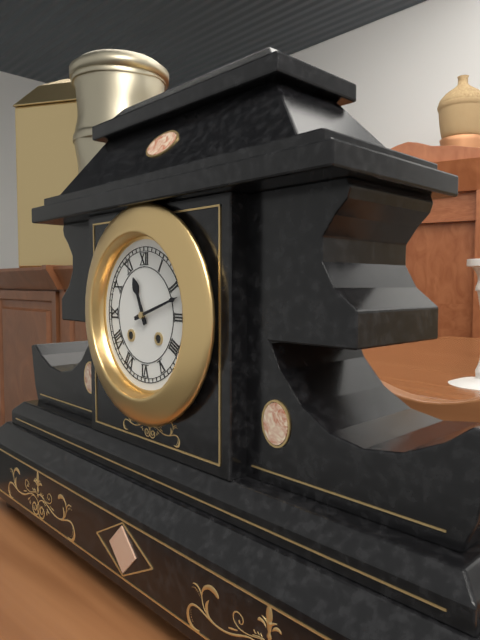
11.12
